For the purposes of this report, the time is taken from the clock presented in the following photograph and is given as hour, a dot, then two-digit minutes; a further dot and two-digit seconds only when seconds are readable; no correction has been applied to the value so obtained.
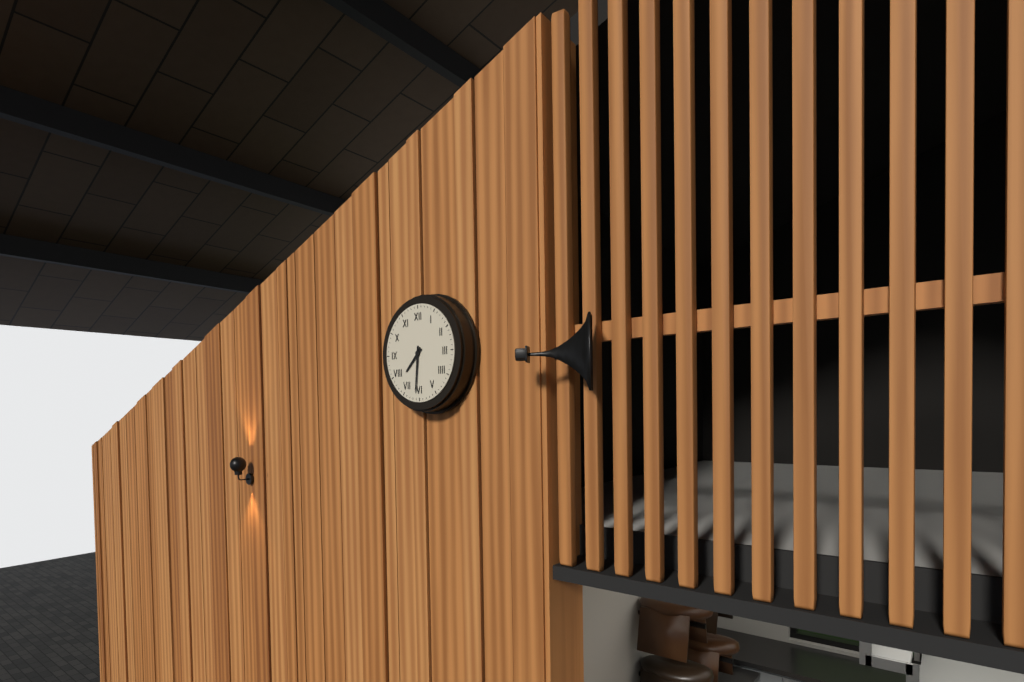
7.31
